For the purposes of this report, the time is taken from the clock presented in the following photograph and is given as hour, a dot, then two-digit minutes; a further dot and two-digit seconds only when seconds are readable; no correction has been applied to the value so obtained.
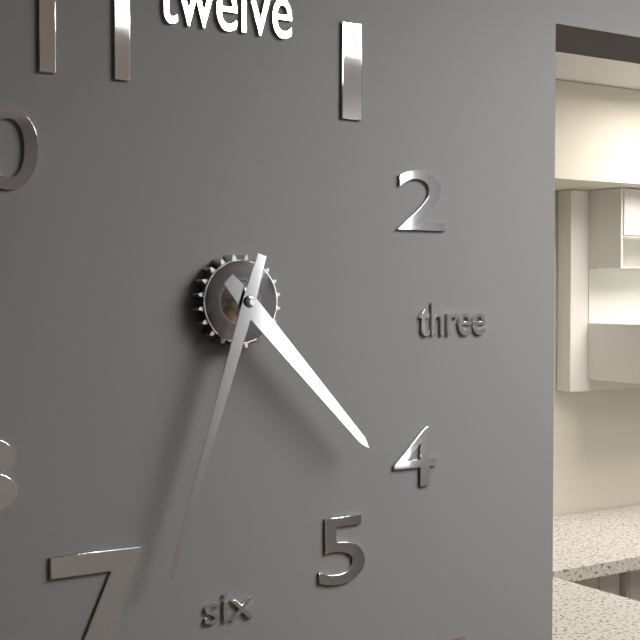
4.33
